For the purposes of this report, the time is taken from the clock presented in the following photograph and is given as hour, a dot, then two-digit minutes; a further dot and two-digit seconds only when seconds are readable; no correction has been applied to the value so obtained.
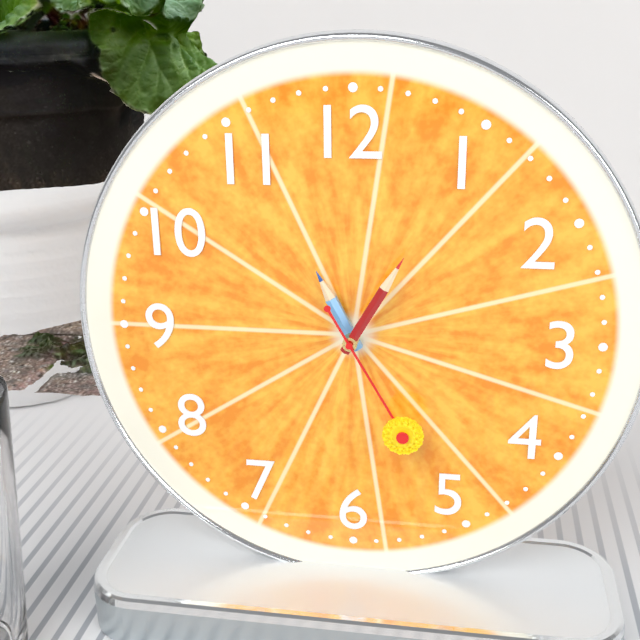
11.05.25
